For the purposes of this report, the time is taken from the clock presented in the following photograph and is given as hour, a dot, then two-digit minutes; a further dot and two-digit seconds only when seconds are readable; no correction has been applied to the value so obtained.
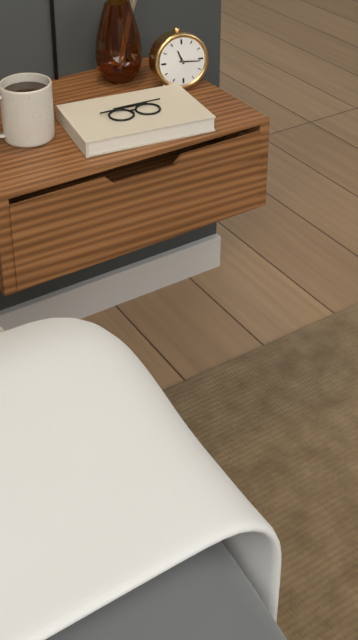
11.16
